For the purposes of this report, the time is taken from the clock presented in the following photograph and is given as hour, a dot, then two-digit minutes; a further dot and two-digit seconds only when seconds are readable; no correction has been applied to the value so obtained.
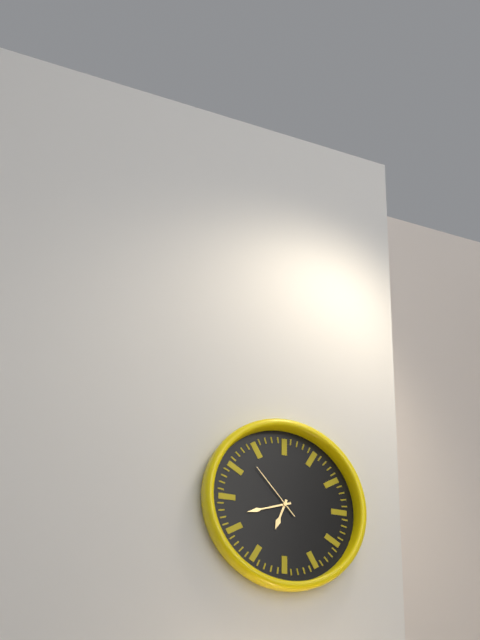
6.42.53
